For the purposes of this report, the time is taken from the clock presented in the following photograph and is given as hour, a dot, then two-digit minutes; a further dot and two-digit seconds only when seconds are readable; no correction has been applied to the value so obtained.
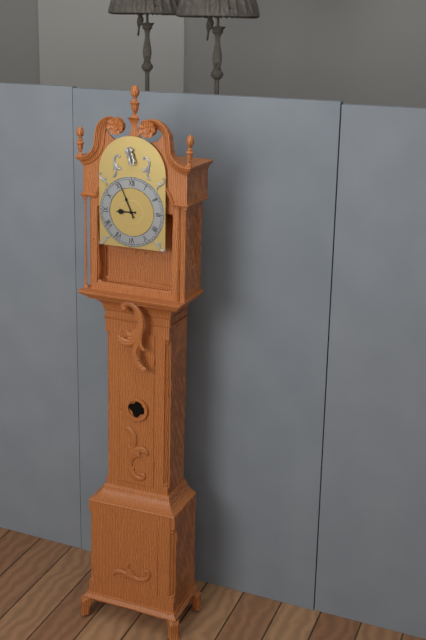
8.56
